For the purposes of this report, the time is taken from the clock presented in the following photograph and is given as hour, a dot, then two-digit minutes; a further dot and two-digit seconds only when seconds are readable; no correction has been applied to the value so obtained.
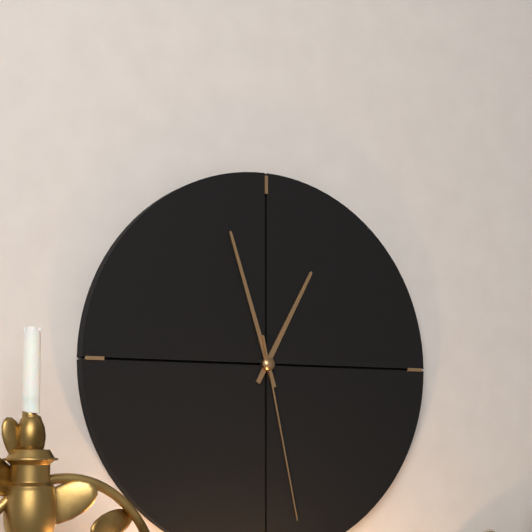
12.57.28
